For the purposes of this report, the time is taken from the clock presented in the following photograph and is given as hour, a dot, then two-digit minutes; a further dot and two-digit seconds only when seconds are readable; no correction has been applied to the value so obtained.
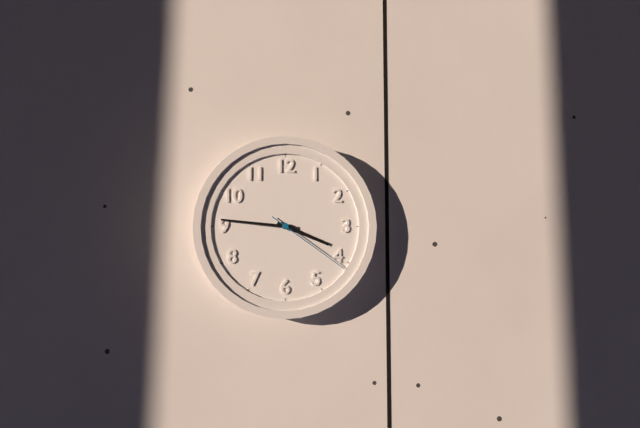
3.46.21
